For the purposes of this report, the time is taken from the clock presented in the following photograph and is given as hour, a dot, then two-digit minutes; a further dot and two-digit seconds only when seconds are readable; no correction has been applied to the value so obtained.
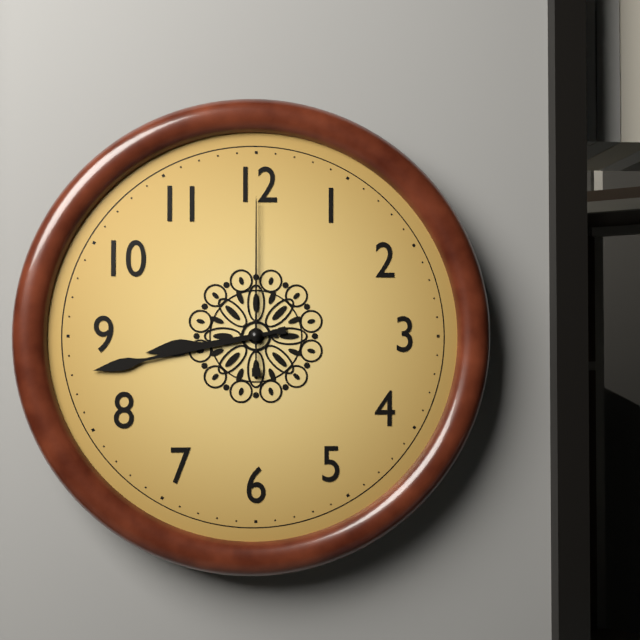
8.43.00
